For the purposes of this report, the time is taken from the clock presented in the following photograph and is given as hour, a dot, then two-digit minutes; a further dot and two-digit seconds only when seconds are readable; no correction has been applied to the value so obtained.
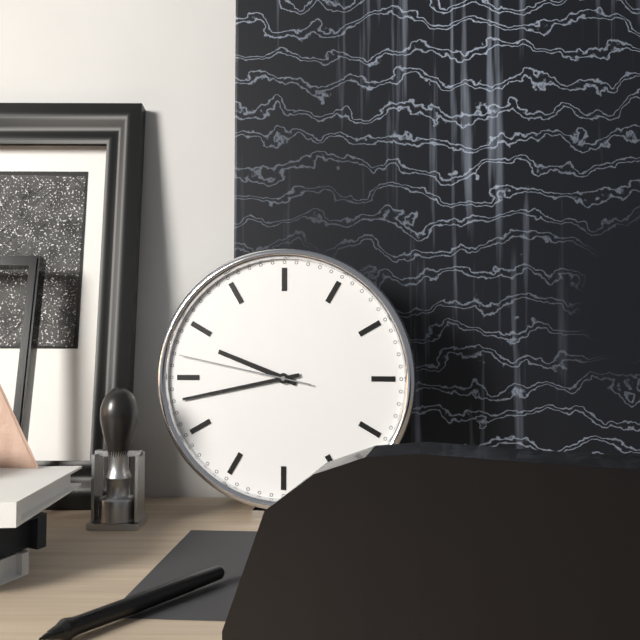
9.43.47
